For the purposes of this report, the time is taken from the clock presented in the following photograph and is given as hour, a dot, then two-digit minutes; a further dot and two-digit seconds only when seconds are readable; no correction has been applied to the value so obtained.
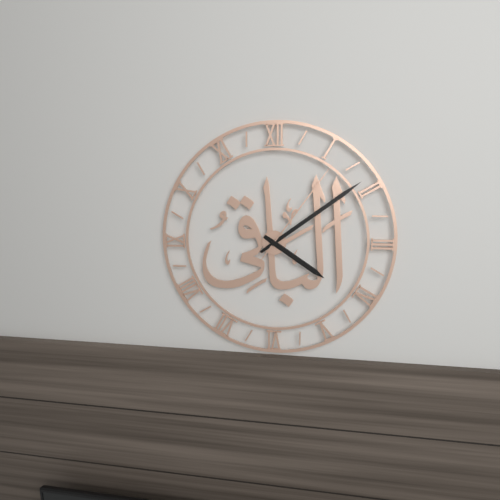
4.09.06
